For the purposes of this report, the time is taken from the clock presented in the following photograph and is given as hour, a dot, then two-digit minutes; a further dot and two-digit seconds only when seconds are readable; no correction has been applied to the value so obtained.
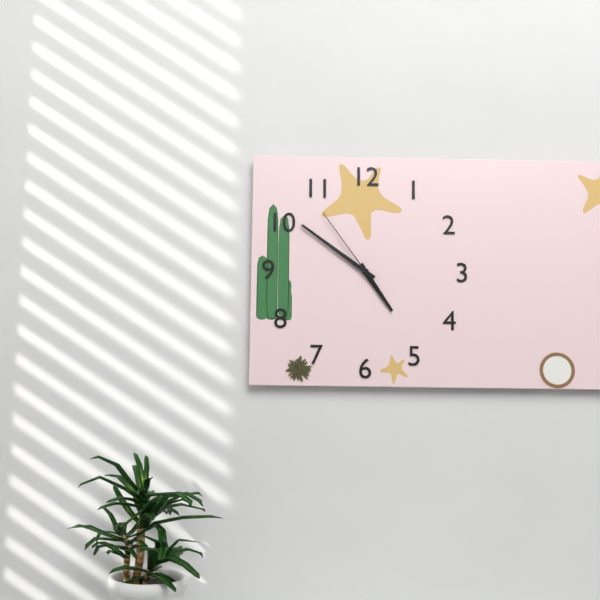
4.51.54
